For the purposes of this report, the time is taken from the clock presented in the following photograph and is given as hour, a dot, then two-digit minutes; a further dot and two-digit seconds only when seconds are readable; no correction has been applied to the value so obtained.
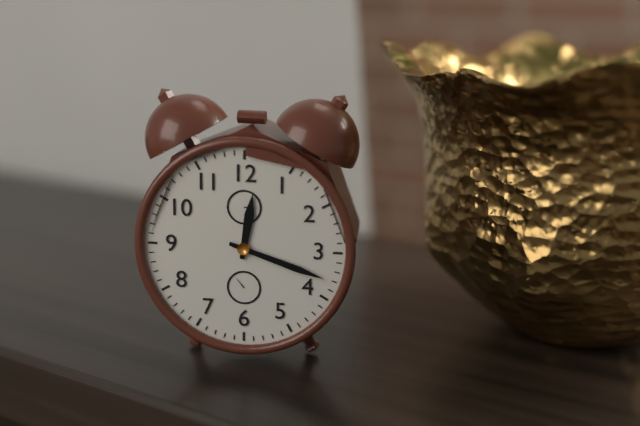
12.18
